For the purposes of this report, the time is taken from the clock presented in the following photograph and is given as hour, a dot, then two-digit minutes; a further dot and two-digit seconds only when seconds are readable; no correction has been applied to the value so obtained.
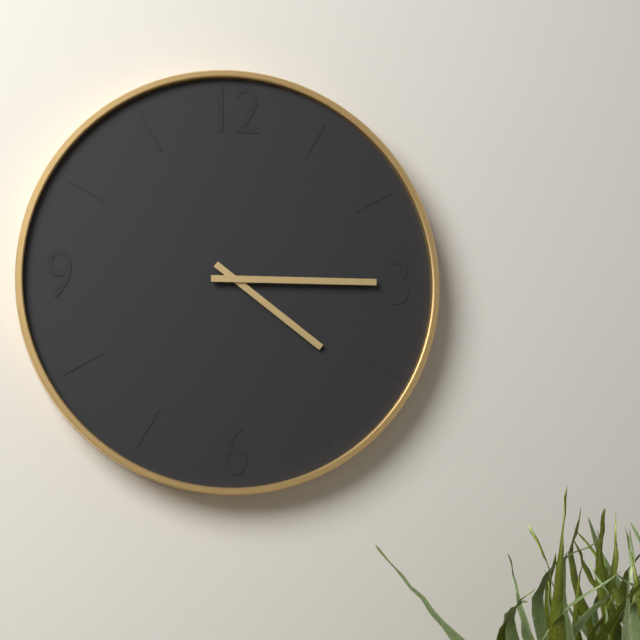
4.15
